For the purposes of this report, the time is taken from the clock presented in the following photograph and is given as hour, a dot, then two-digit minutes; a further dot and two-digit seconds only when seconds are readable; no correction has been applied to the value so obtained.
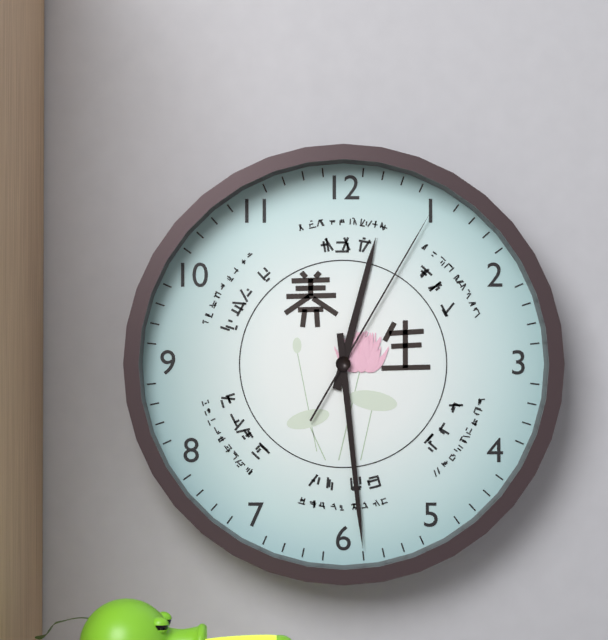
12.29.05
